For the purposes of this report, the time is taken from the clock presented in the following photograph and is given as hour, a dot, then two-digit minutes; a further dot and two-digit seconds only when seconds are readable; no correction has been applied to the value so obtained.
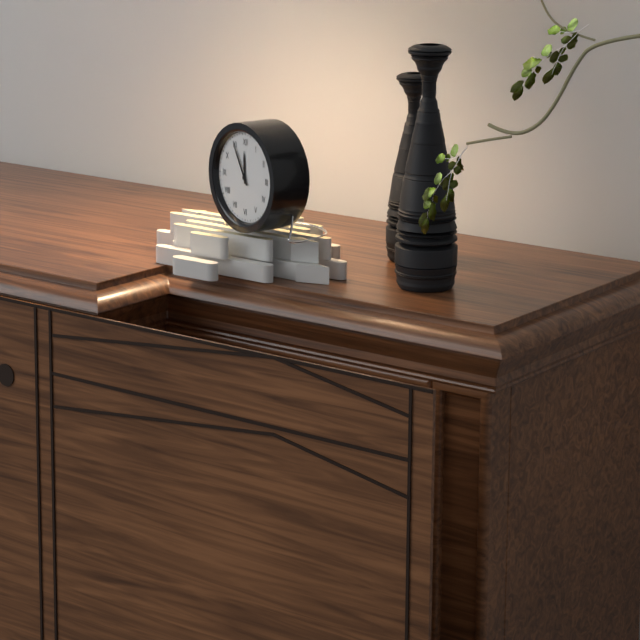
11.55
